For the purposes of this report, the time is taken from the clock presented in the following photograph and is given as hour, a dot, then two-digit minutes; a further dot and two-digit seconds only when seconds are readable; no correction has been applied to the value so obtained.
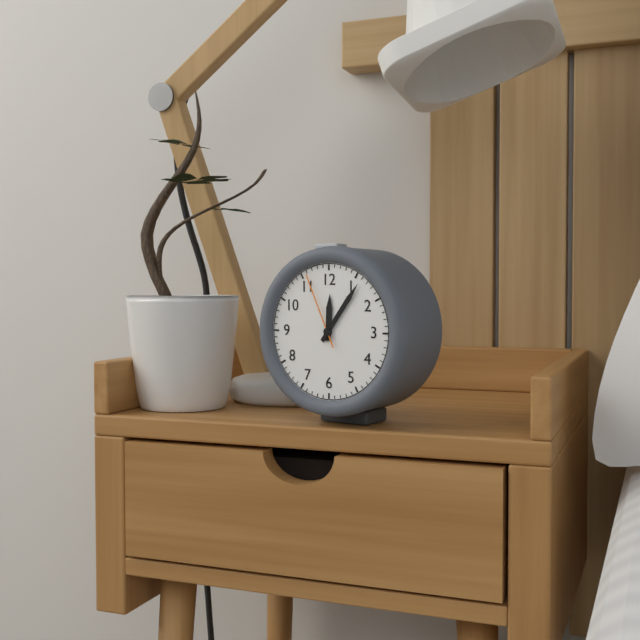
12.06.56
